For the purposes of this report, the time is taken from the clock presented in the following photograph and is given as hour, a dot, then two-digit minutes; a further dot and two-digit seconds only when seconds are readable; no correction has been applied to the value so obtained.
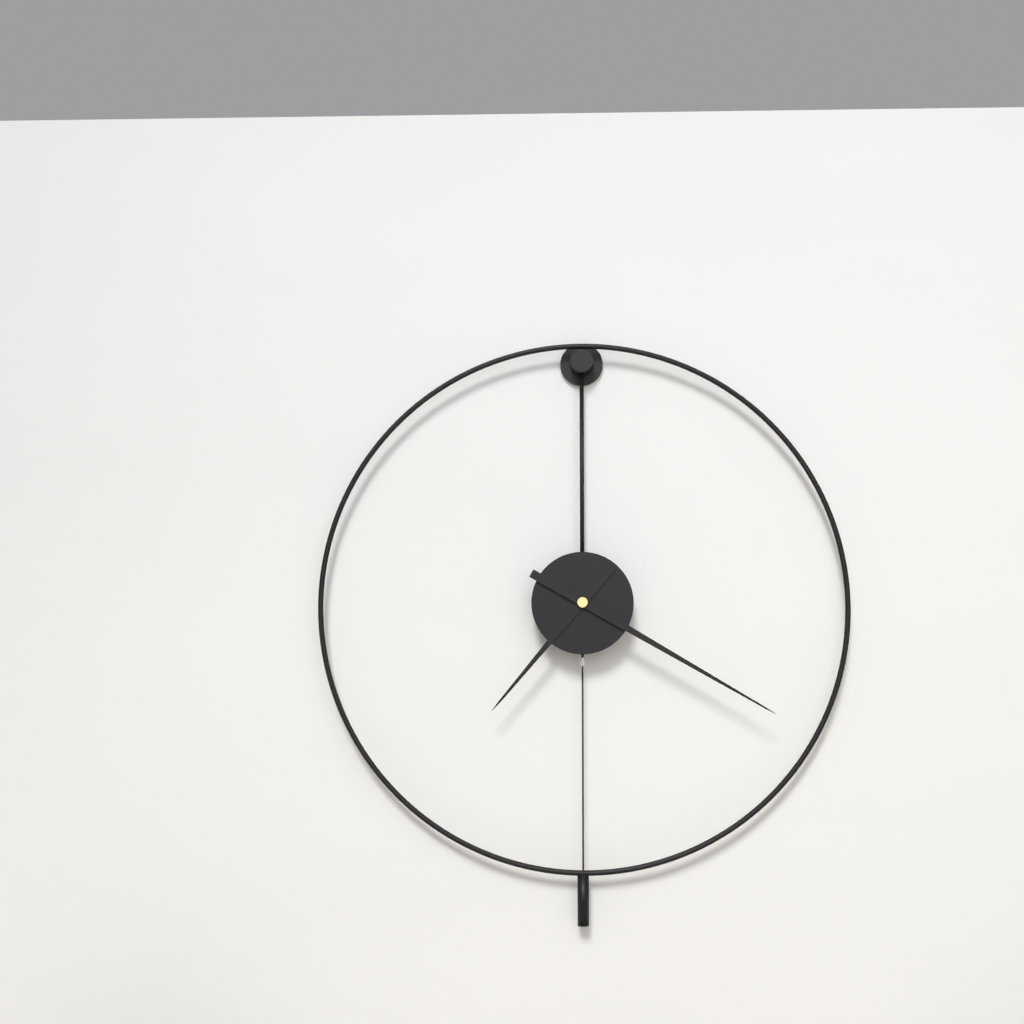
7.20
